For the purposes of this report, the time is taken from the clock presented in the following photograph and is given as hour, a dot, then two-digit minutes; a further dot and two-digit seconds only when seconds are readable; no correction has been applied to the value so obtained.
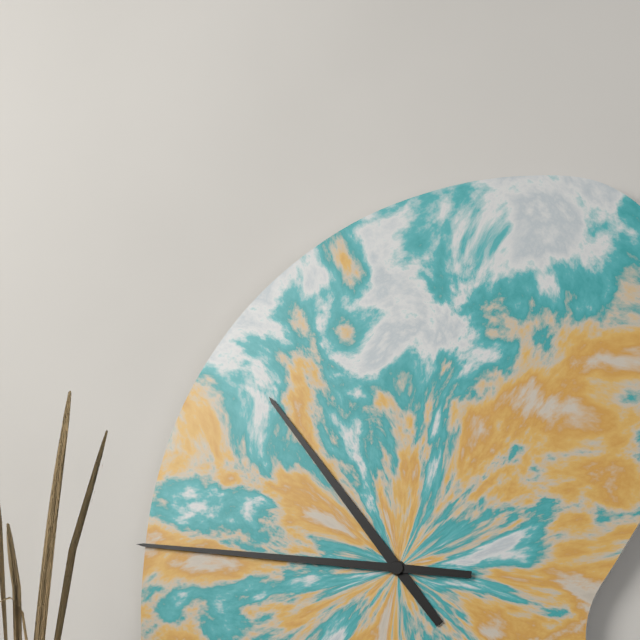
10.46
